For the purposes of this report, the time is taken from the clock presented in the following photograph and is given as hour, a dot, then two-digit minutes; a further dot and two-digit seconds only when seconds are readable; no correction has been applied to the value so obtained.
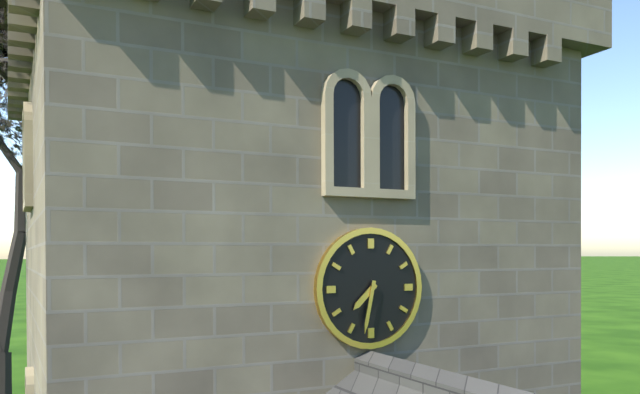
7.32
